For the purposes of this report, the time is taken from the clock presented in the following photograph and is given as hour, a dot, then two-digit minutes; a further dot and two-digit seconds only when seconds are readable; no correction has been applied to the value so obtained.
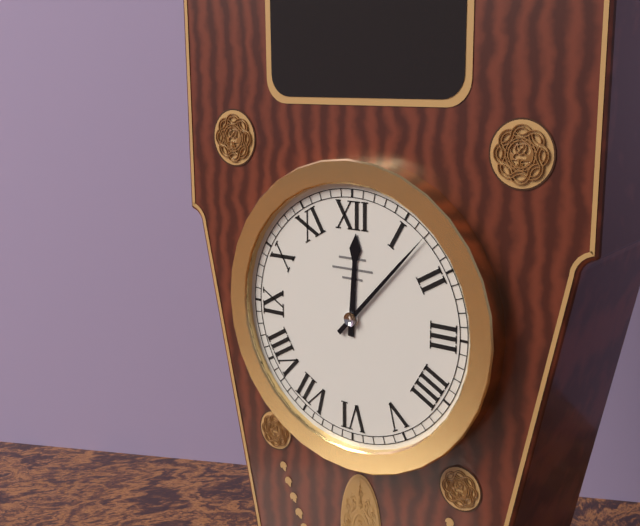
12.07
